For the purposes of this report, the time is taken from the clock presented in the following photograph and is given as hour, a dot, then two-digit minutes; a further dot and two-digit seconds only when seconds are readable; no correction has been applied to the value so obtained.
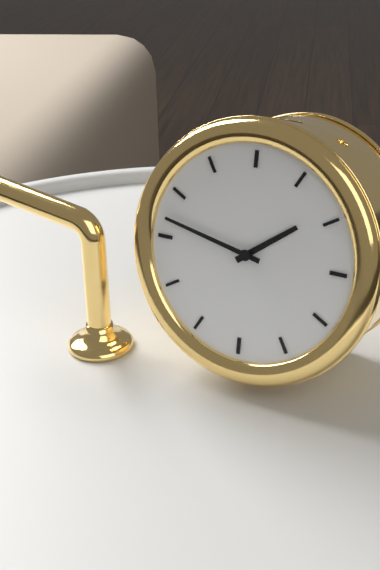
1.47
